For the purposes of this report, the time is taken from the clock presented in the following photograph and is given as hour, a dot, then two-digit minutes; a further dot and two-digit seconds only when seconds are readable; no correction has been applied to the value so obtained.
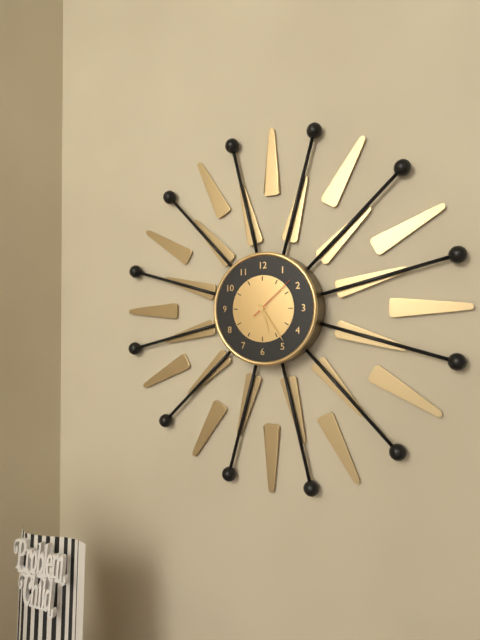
5.24.08
